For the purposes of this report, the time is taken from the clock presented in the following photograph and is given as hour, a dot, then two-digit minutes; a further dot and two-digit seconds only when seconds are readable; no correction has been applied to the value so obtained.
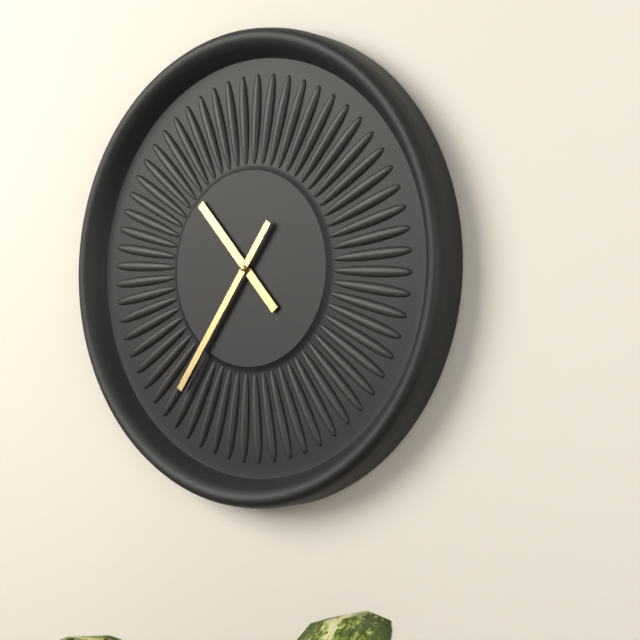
10.36
